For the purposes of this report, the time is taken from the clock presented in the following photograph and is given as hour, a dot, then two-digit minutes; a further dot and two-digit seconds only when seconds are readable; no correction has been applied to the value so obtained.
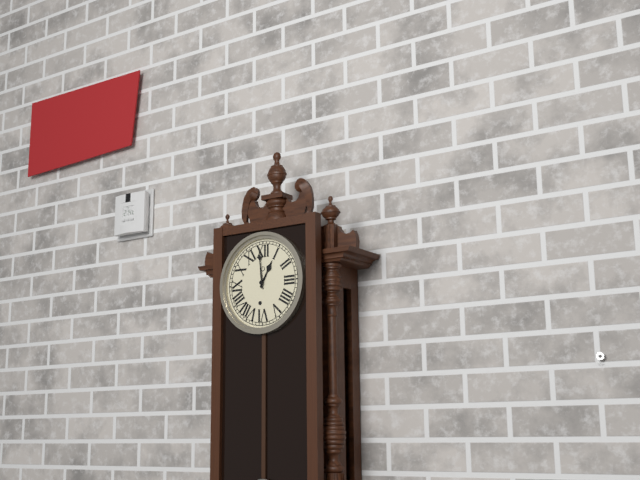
12.59
